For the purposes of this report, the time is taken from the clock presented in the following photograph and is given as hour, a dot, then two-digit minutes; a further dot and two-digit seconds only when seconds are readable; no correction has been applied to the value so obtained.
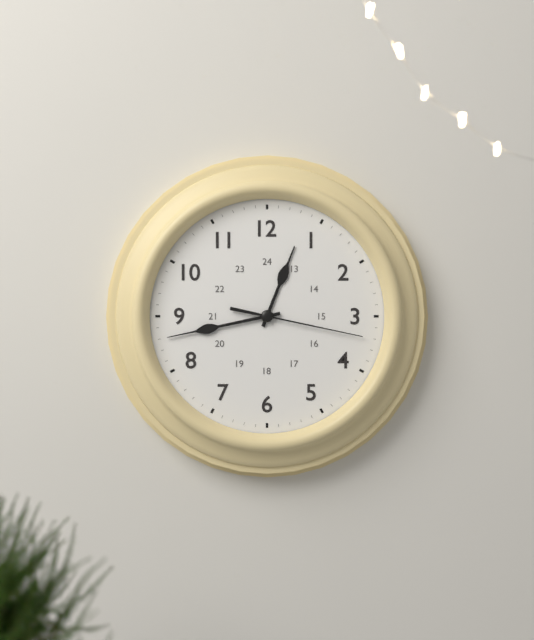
12.43.17
